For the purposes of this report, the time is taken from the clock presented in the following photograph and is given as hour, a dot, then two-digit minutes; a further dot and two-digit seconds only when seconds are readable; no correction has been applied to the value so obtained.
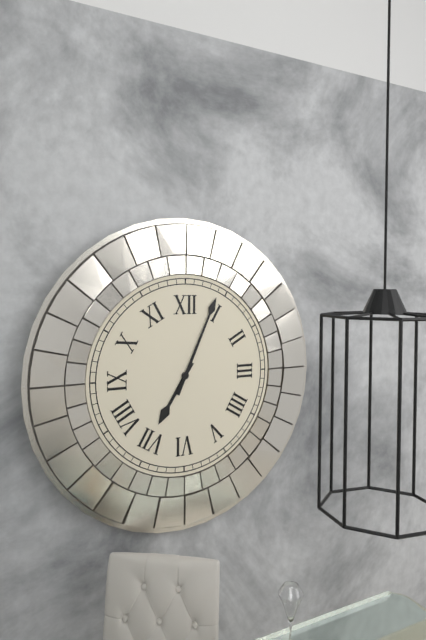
7.04
